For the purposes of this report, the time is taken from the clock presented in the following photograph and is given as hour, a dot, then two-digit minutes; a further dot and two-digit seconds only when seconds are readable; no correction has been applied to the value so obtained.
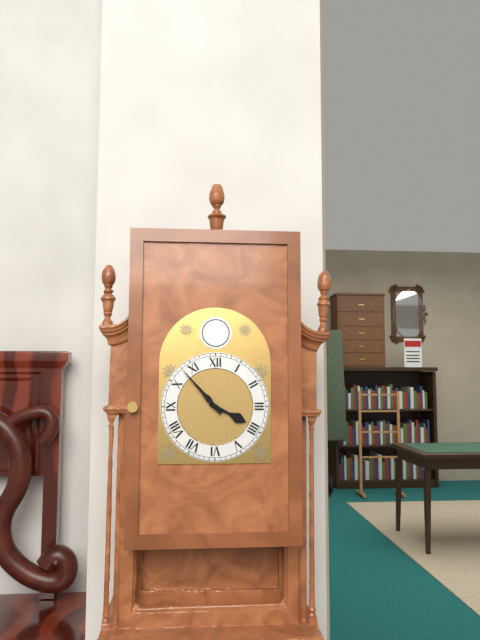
3.53
